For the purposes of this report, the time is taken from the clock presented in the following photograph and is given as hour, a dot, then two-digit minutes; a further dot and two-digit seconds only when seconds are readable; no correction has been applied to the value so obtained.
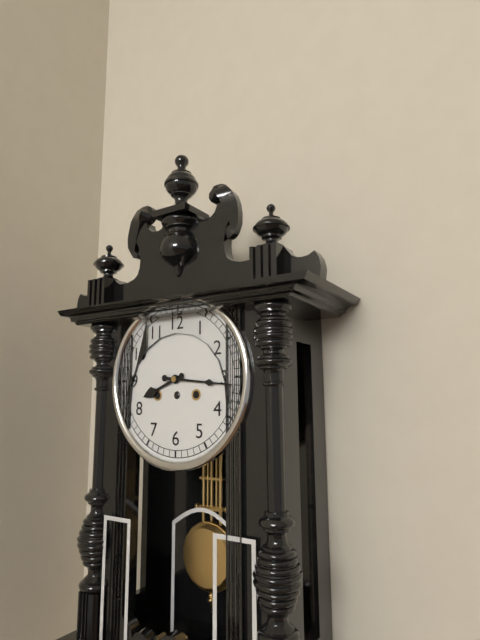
8.16
